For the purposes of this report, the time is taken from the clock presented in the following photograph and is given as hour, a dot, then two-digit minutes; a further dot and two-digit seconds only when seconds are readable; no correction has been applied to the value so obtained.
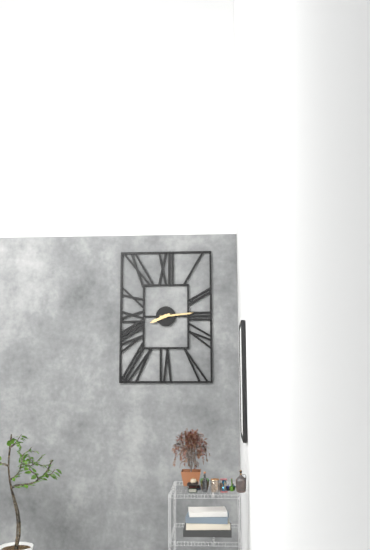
8.14
